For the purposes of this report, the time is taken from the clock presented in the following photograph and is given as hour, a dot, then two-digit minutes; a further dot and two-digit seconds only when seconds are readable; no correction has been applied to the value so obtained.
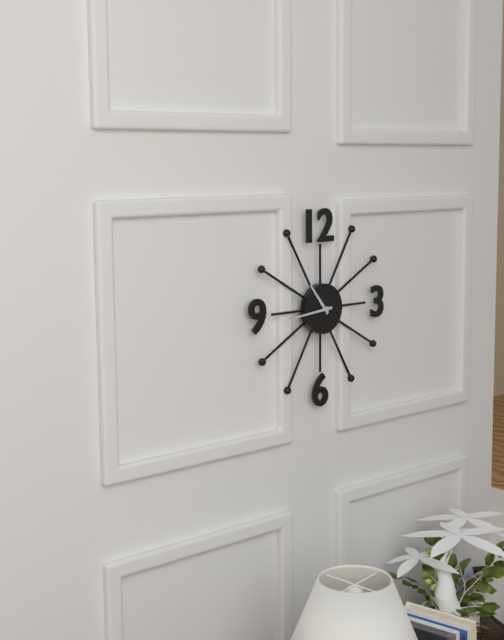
10.44
